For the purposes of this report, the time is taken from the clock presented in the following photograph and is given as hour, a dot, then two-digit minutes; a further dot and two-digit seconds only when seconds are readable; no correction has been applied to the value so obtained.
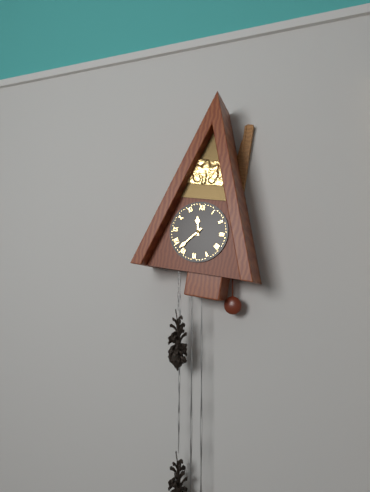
11.37
